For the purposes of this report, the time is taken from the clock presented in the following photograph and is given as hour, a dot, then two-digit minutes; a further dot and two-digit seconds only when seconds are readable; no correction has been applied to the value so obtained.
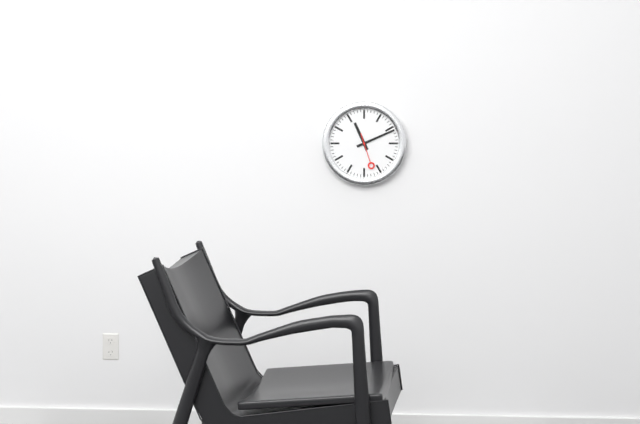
11.11
